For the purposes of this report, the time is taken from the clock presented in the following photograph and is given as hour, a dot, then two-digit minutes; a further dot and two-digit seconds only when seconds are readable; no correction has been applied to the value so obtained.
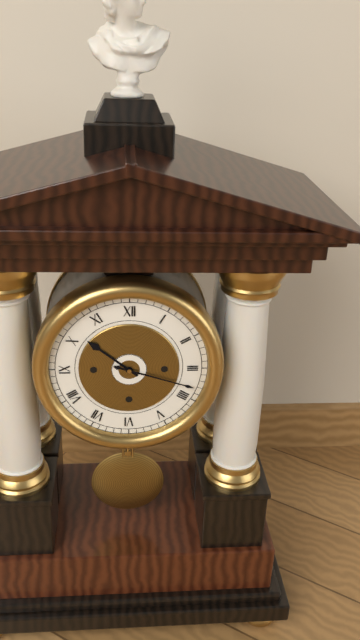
10.18
